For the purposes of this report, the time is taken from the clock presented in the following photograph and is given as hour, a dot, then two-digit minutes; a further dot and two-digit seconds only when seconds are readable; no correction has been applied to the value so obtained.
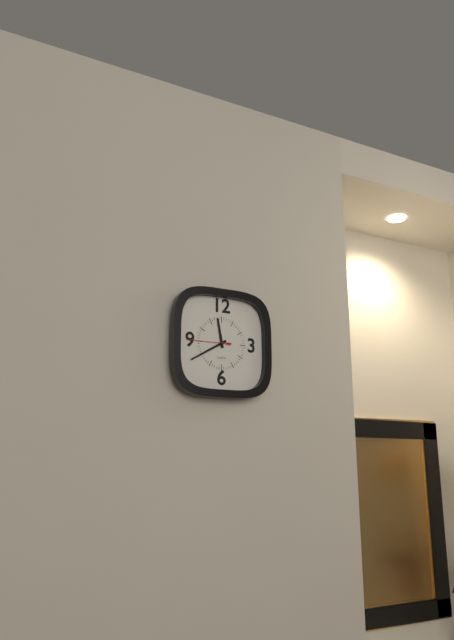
11.40
